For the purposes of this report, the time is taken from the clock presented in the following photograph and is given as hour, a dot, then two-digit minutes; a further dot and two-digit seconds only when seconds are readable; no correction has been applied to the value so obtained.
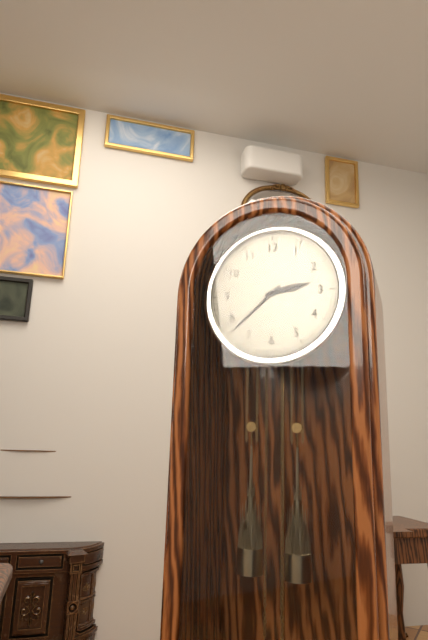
2.38
